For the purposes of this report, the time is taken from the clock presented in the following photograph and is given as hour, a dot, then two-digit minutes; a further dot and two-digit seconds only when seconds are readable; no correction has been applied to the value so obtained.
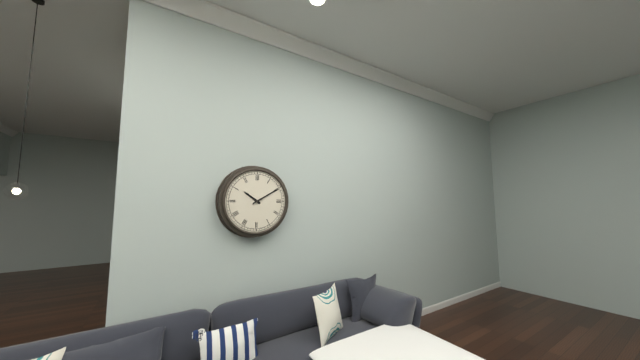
10.10
